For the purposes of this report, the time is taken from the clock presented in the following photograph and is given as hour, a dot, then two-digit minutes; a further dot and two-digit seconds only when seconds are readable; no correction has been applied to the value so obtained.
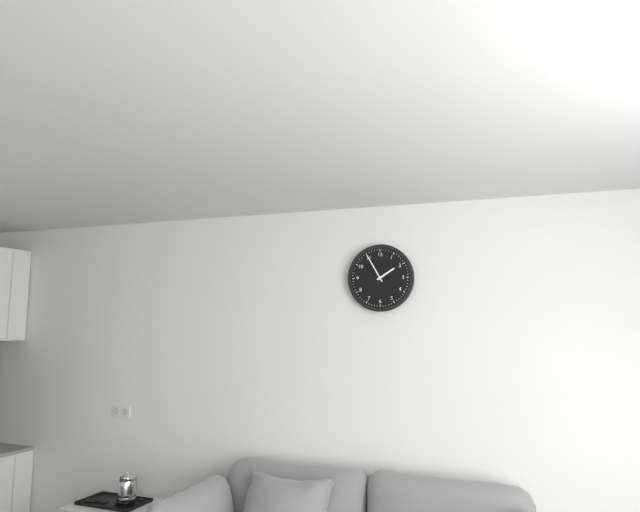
1.55
